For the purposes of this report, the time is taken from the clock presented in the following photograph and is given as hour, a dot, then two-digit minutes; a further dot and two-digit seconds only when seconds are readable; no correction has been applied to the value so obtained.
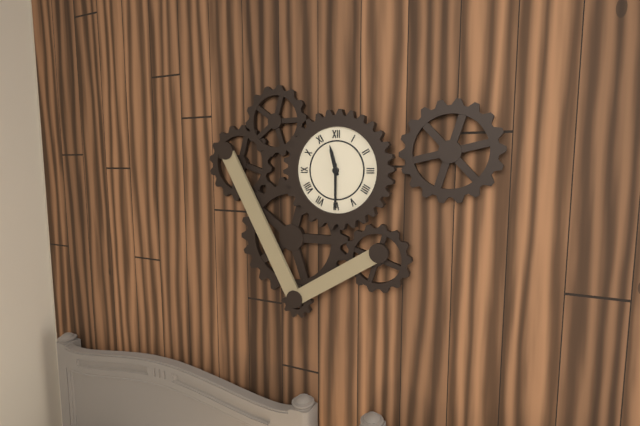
11.30
